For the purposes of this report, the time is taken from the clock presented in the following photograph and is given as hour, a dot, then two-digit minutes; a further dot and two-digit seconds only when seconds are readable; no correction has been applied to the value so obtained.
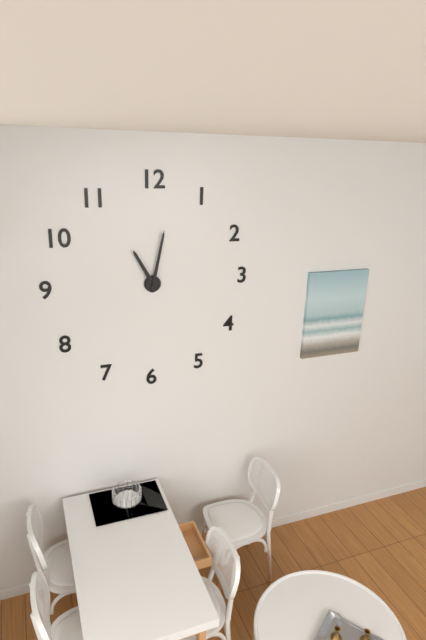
11.02
